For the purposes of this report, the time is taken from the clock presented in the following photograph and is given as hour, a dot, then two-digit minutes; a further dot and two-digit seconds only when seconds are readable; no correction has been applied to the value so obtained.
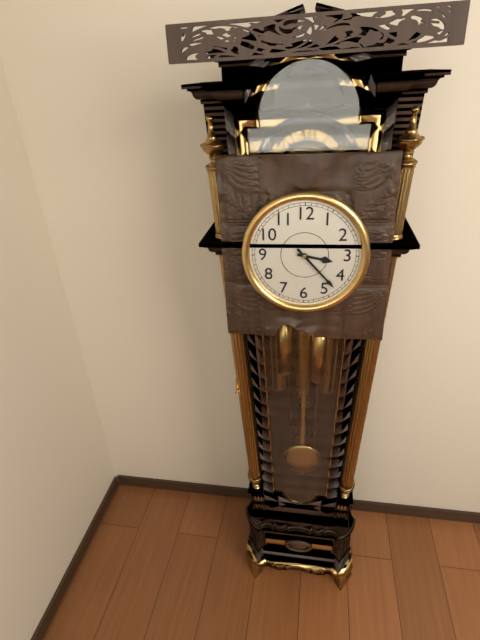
3.23
